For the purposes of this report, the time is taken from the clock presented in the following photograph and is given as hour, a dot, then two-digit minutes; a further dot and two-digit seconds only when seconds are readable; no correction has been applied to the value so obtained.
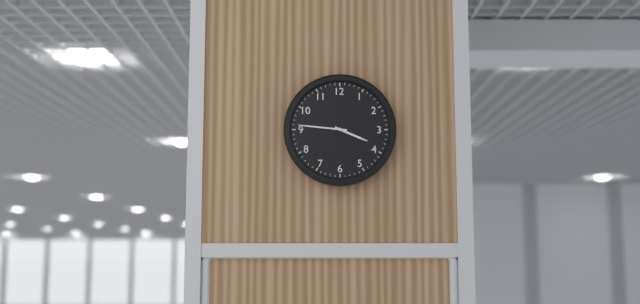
3.46
